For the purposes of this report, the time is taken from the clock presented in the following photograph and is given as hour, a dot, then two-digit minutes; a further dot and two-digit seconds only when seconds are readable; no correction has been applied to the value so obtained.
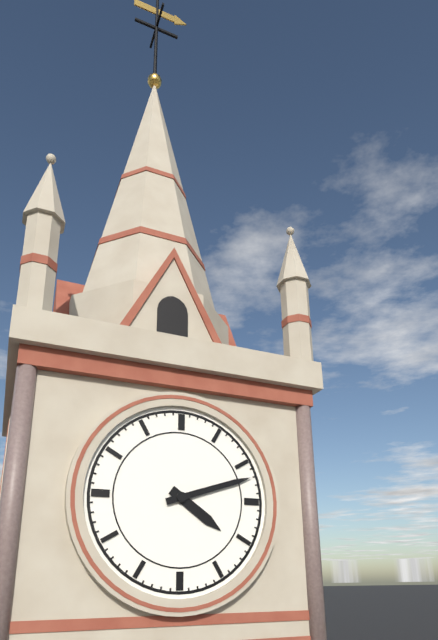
4.12
